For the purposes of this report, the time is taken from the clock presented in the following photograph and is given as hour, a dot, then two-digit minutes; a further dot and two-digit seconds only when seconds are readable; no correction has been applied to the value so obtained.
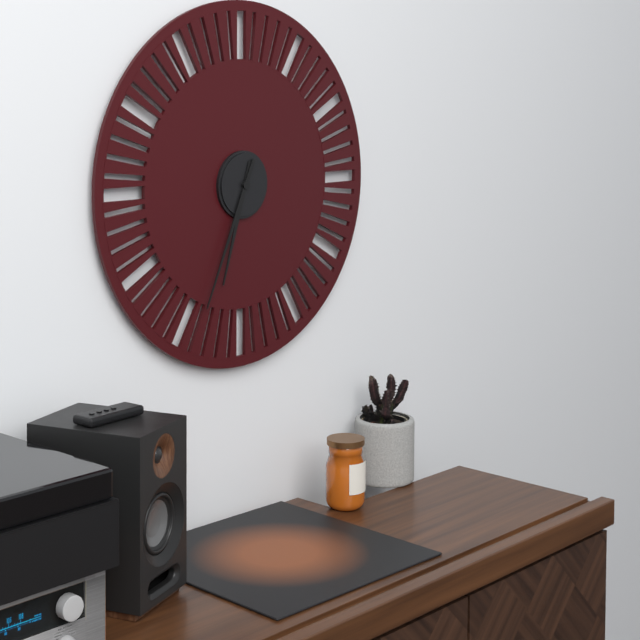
6.34
